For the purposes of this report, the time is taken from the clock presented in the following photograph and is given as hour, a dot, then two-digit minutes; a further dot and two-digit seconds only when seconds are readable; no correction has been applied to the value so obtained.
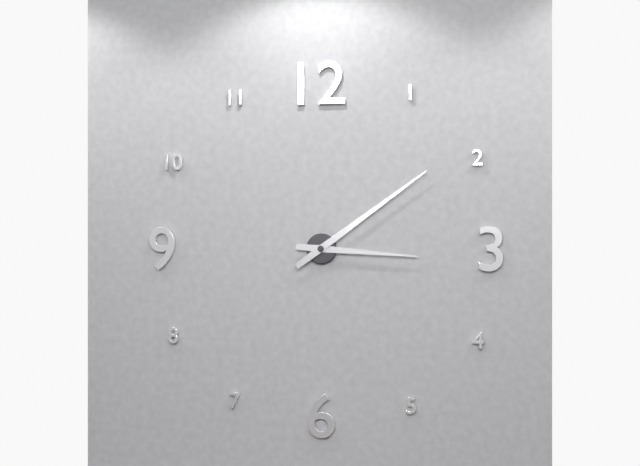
3.09
